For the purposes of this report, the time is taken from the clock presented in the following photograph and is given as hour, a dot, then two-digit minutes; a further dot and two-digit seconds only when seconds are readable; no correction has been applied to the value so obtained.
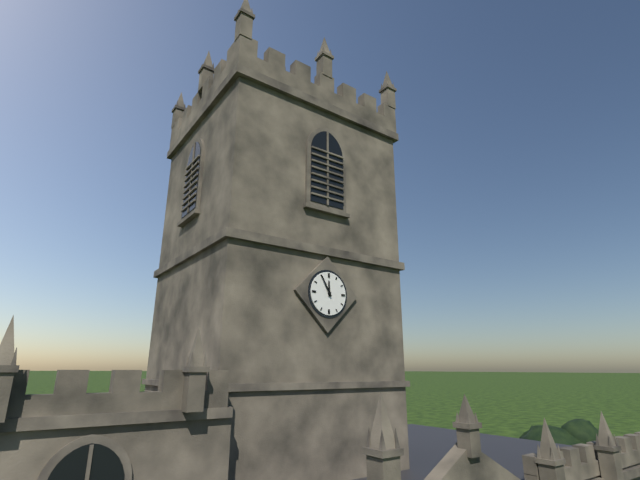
11.55
